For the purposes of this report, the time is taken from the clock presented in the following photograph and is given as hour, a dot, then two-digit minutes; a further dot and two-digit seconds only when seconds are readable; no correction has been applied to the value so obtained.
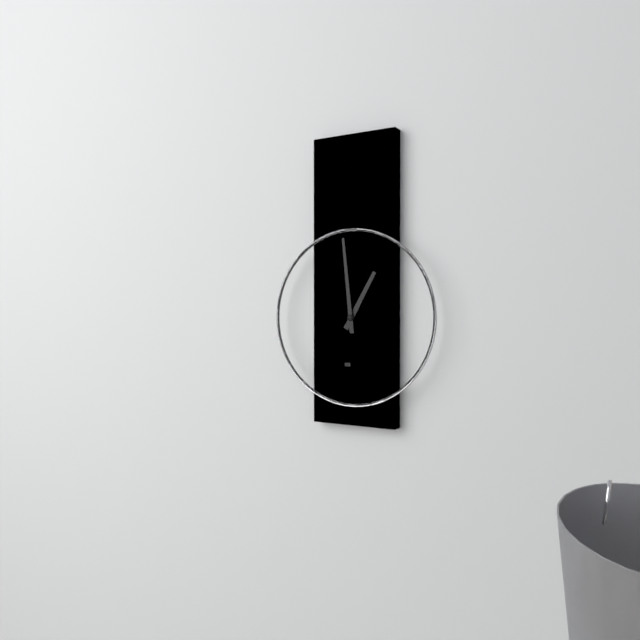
12.59
